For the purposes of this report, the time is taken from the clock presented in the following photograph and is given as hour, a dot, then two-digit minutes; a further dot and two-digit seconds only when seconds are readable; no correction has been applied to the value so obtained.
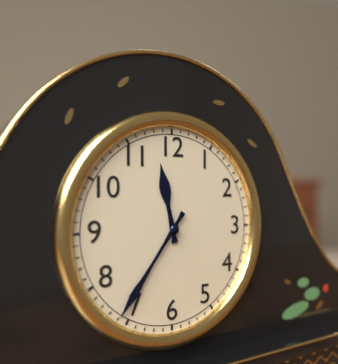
11.36
